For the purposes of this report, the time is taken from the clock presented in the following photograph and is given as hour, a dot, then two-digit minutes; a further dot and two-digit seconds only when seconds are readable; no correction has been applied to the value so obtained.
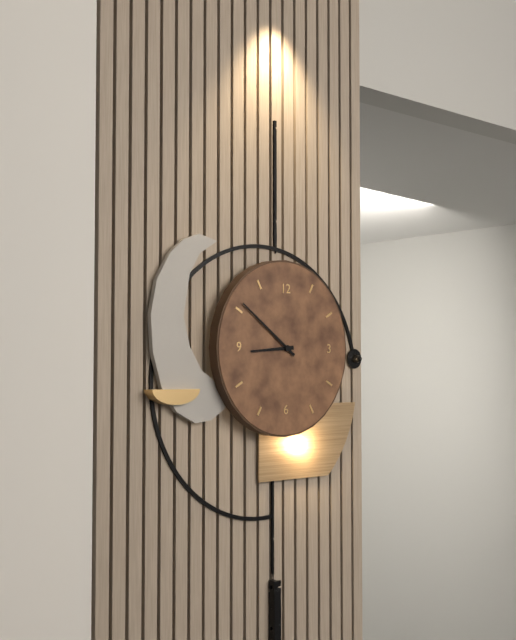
8.51
